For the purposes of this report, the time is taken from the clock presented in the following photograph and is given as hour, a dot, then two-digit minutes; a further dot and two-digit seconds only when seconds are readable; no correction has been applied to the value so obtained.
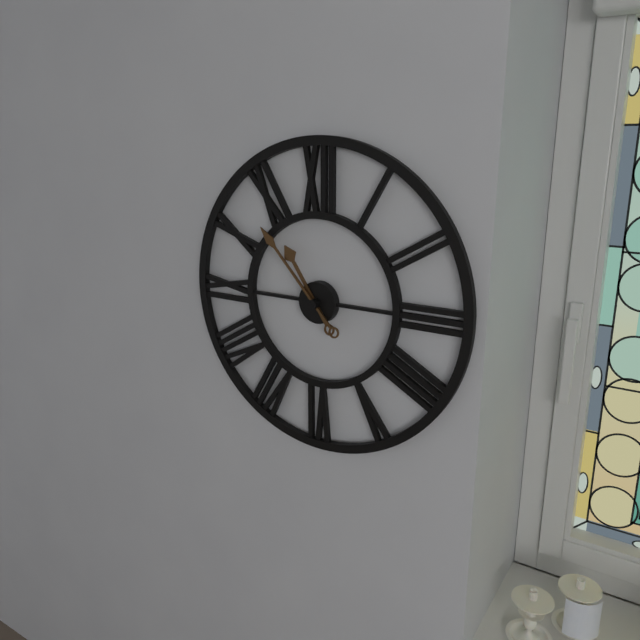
10.53
